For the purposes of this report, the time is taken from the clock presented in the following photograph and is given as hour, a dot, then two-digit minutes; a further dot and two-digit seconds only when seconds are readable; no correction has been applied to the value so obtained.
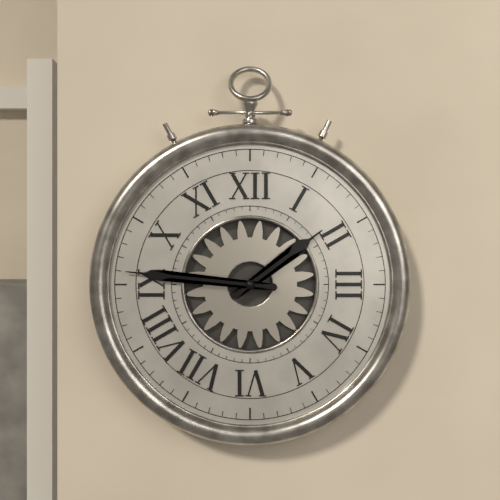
1.46
